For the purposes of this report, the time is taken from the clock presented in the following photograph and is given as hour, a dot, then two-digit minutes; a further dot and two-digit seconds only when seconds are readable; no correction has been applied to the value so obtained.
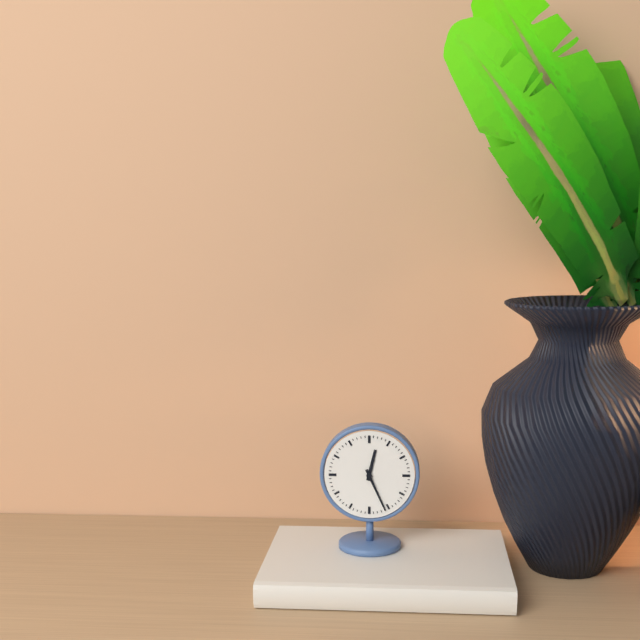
12.26
